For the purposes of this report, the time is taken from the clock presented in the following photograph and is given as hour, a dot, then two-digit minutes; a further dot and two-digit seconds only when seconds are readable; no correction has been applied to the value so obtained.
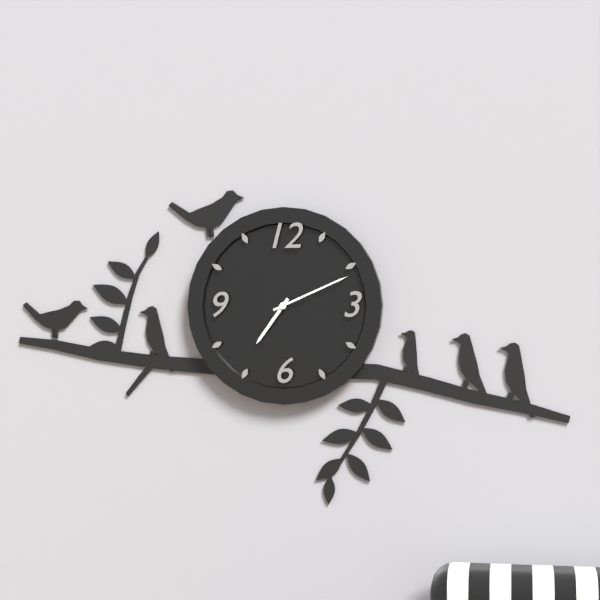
7.11
